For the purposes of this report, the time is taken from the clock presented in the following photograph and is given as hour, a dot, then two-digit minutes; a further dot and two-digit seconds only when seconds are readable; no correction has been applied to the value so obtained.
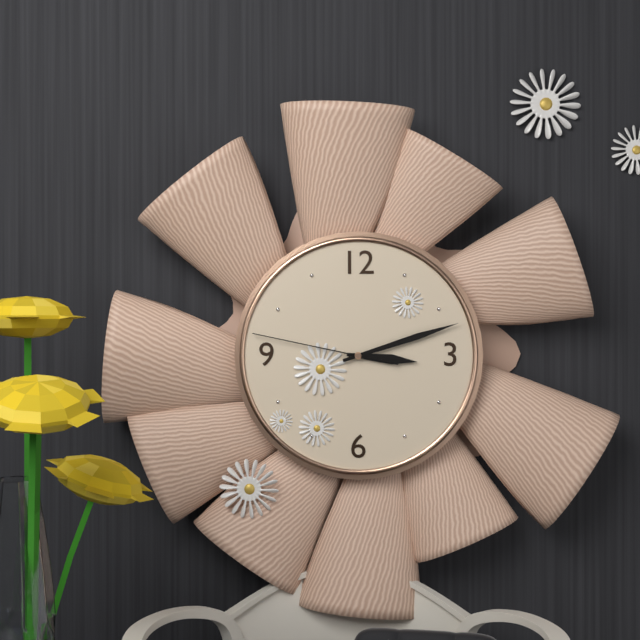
3.12.47
